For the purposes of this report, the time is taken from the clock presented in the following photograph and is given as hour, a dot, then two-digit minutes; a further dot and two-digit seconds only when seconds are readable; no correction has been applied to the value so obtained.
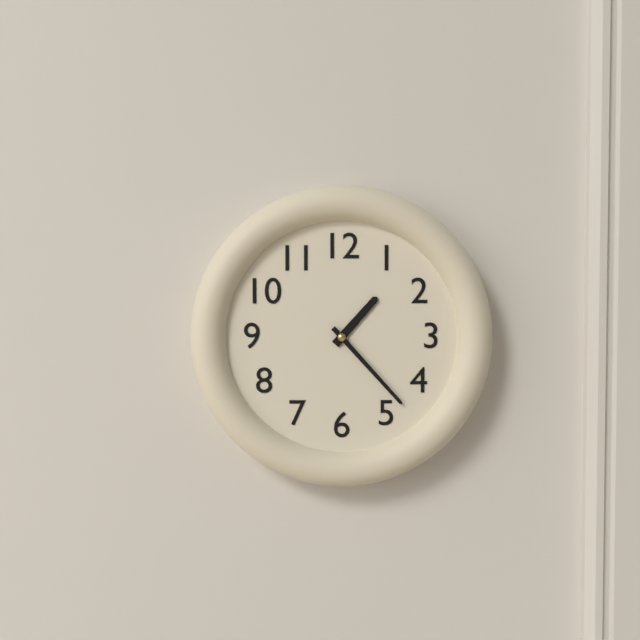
1.23
